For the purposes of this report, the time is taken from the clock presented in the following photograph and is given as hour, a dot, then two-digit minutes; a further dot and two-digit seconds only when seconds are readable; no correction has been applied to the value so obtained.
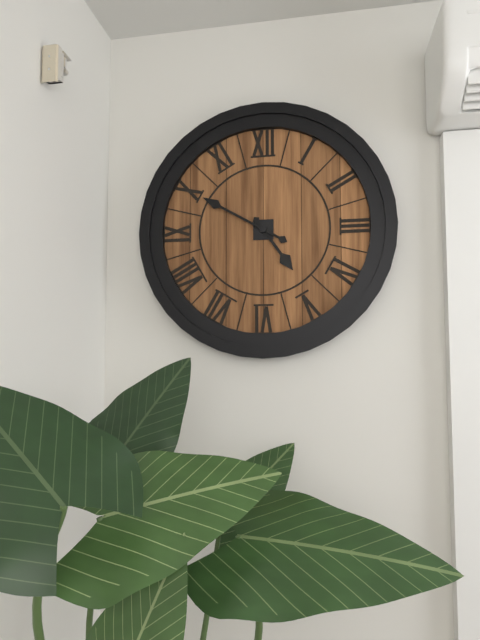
4.50
